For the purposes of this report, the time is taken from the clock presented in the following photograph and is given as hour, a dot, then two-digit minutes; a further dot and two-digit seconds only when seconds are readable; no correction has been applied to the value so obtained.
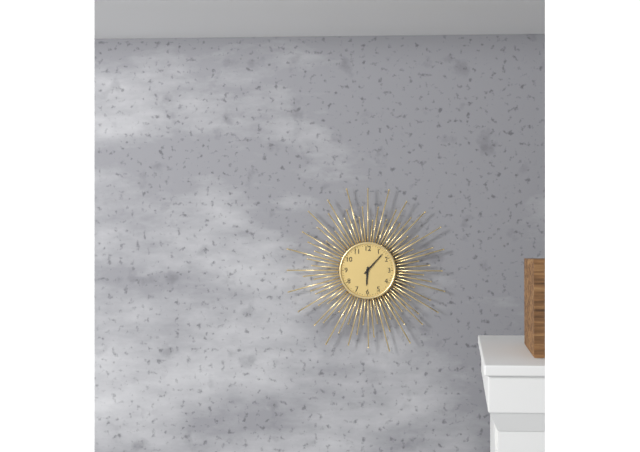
6.07
